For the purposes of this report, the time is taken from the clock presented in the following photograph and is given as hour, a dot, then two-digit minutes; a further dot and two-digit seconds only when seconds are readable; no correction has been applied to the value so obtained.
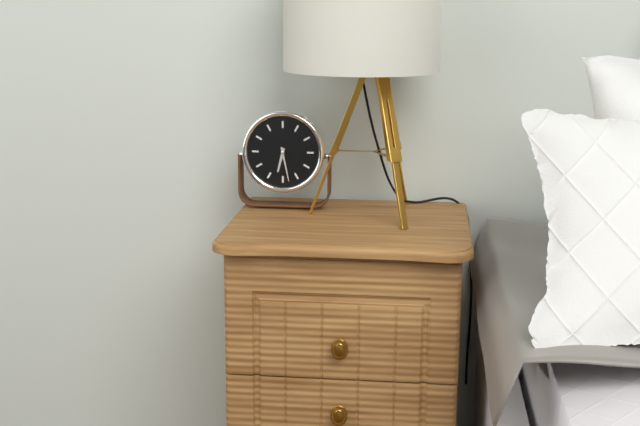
6.28
